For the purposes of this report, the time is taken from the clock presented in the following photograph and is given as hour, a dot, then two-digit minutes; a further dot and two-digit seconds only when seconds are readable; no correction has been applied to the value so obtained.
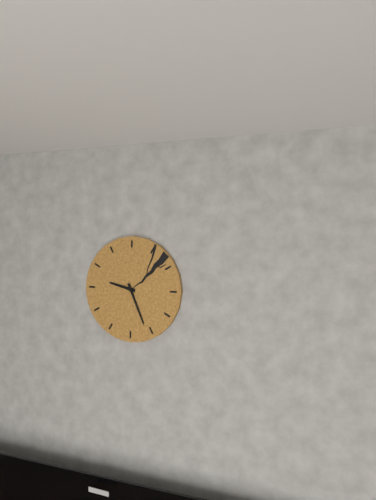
9.26
